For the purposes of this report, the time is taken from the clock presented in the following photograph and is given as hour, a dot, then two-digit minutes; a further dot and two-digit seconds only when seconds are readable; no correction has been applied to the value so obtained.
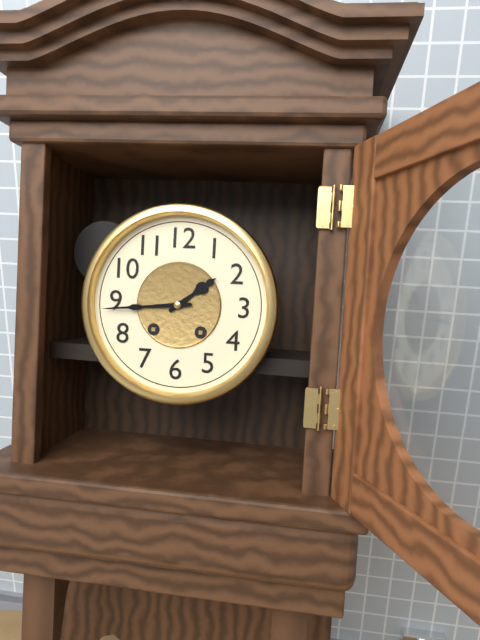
1.44
